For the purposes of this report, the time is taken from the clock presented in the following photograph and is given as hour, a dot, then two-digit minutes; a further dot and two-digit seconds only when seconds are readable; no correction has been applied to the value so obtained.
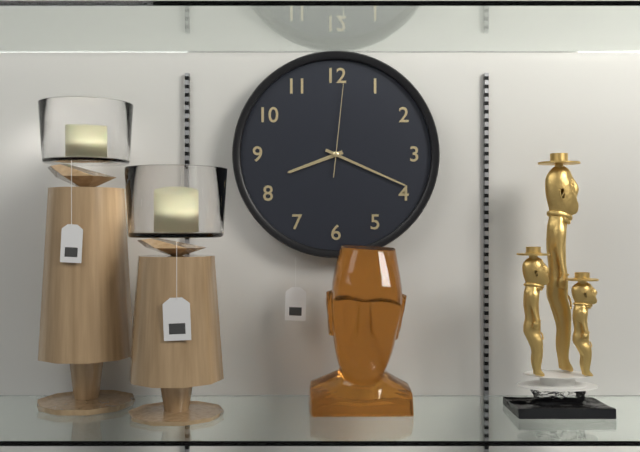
8.19.01
